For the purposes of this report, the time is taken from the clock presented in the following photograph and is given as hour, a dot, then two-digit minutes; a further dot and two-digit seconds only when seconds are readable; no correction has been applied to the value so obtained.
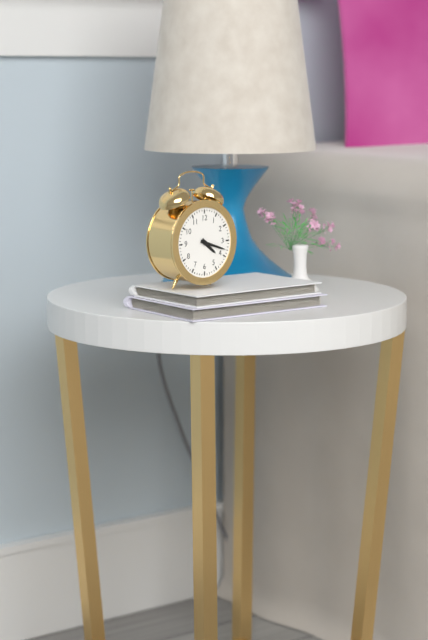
4.18
